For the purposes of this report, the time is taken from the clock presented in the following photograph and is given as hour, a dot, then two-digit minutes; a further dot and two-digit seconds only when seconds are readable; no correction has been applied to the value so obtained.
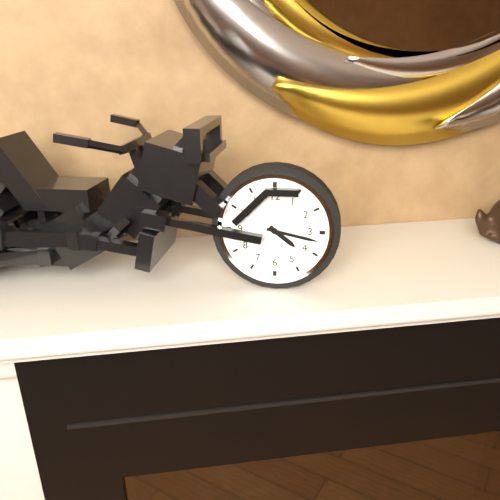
4.17
